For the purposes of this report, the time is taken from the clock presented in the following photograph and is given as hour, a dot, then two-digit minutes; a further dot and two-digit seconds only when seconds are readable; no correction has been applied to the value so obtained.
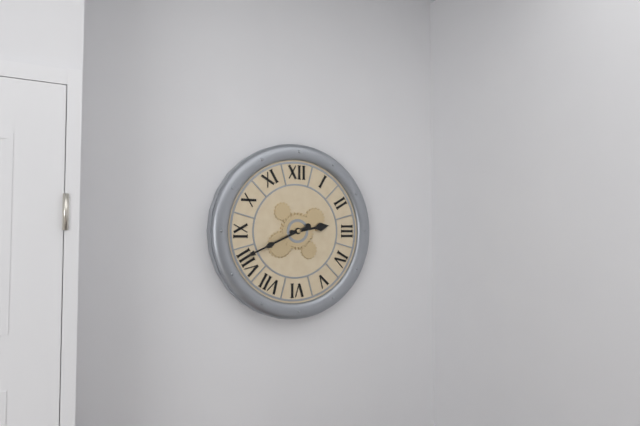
2.41
